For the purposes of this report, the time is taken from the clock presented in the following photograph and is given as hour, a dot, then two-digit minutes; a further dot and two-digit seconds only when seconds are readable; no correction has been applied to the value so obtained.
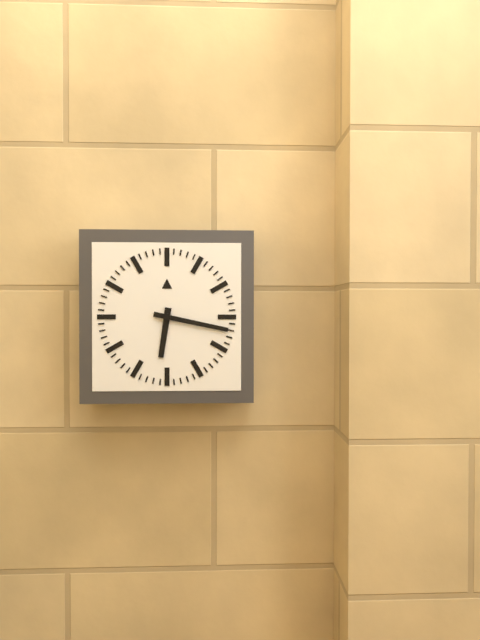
6.17
